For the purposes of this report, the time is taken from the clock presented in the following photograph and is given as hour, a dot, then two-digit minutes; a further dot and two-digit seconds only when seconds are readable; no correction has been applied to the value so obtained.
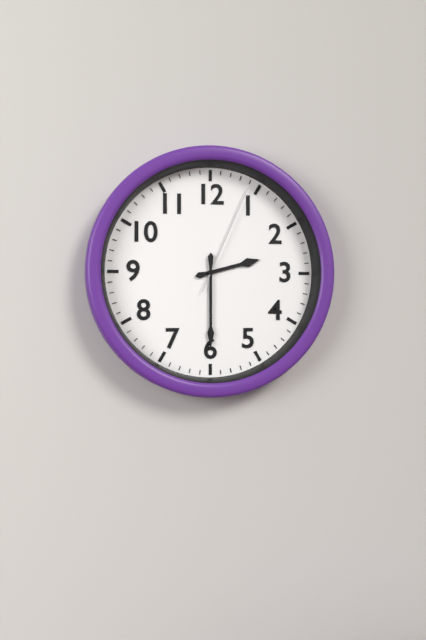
2.30.04
